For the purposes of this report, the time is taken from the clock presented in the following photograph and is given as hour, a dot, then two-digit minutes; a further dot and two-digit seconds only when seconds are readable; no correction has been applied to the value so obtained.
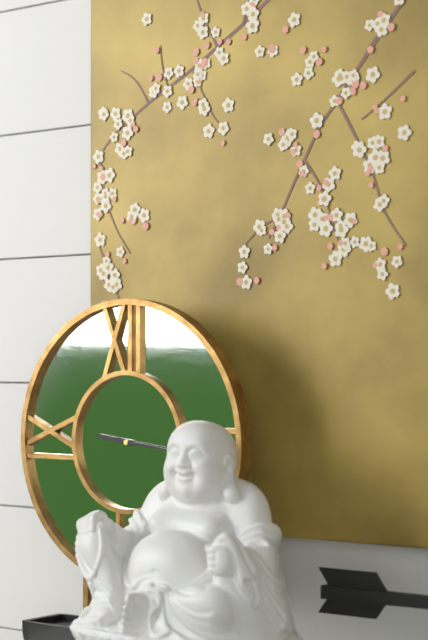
9.16
